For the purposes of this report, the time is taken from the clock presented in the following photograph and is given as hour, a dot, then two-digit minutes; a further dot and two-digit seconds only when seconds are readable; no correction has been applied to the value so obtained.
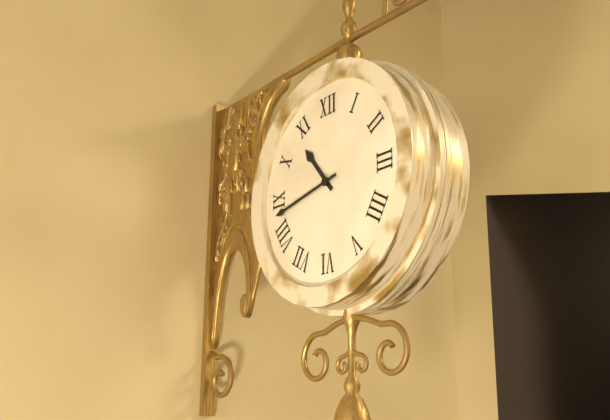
10.43
